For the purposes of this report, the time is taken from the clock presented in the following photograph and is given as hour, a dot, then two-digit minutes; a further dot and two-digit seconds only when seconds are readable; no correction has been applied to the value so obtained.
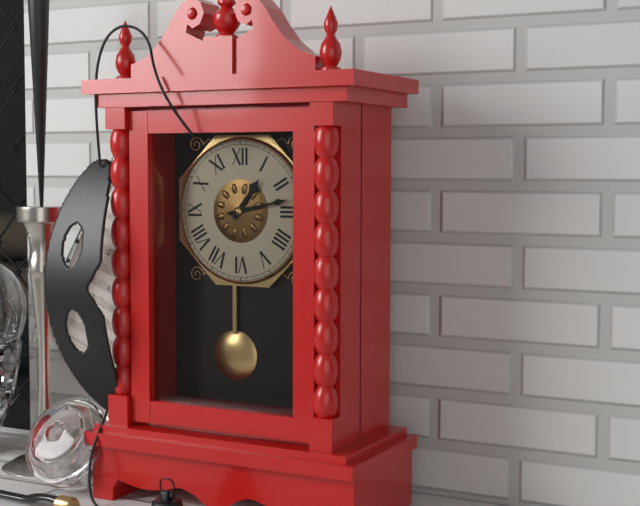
1.13
